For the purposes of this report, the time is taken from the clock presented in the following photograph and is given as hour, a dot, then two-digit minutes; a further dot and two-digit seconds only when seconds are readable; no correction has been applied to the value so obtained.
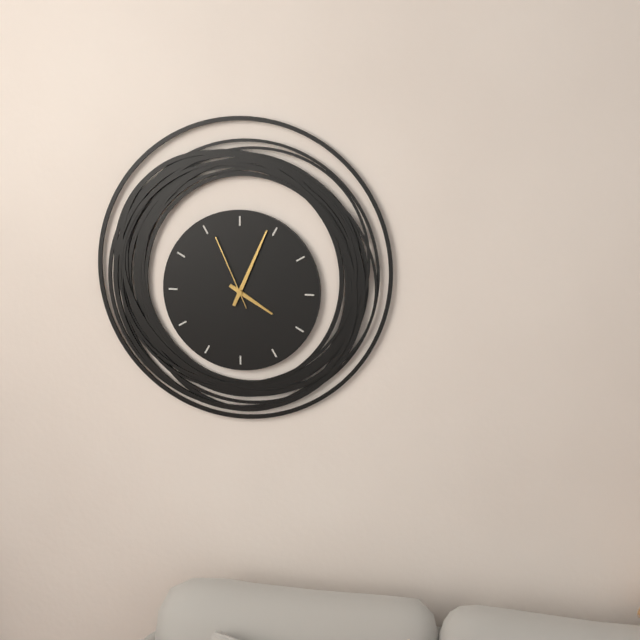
4.04.56
